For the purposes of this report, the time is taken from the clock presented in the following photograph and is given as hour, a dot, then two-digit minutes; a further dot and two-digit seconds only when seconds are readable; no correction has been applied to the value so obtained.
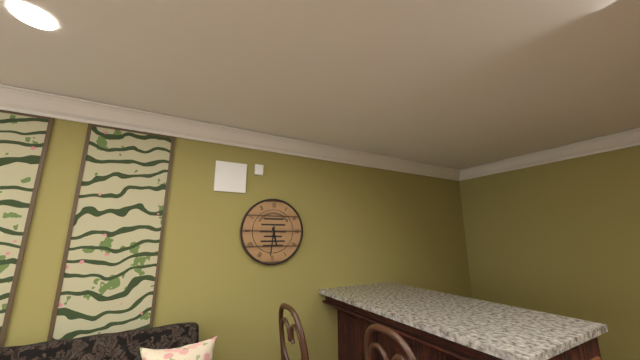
5.31
